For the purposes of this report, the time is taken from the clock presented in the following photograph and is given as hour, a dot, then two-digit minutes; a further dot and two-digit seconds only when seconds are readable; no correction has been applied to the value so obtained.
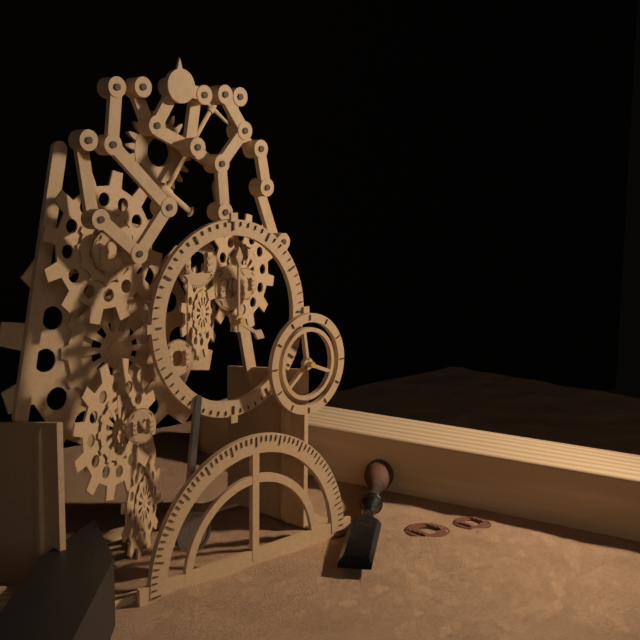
4.00
